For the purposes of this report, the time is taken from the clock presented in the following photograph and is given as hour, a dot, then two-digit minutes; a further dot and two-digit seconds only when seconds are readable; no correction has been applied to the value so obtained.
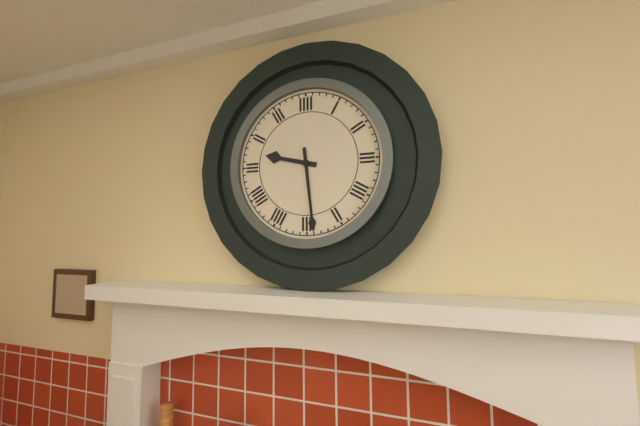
9.29
